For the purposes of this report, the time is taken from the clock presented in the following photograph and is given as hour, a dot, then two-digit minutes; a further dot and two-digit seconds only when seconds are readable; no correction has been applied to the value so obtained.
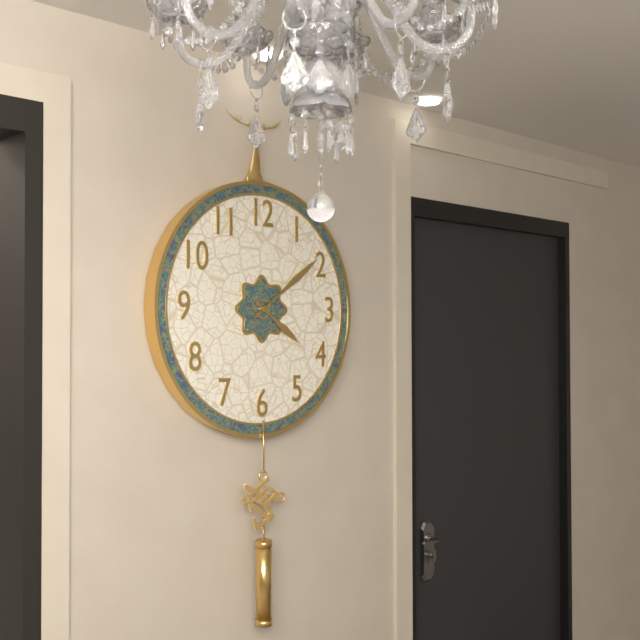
4.09
